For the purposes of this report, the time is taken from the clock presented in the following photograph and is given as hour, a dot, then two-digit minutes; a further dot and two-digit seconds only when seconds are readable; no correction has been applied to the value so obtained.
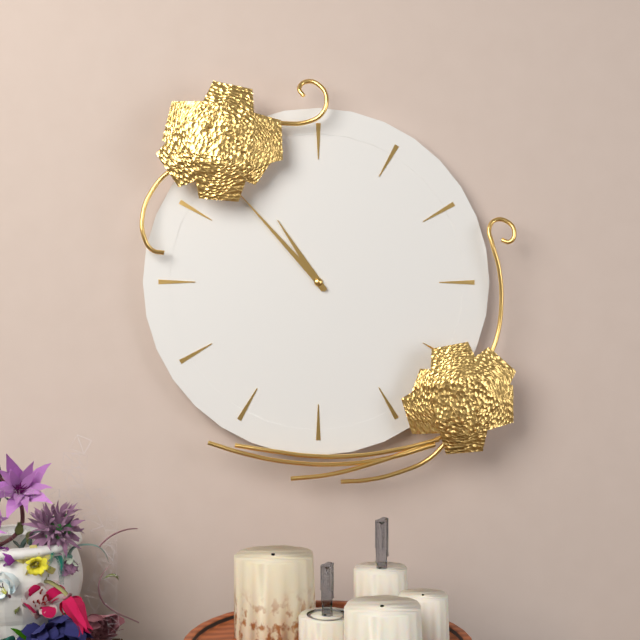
10.53
